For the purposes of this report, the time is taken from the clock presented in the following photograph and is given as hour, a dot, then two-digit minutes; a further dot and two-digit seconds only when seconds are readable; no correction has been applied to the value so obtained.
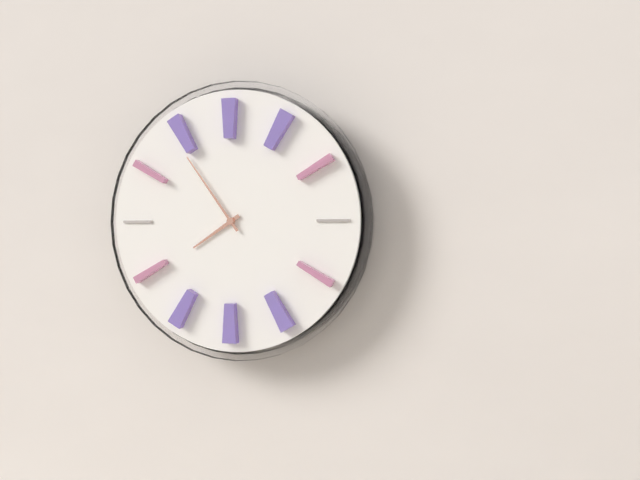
7.54
